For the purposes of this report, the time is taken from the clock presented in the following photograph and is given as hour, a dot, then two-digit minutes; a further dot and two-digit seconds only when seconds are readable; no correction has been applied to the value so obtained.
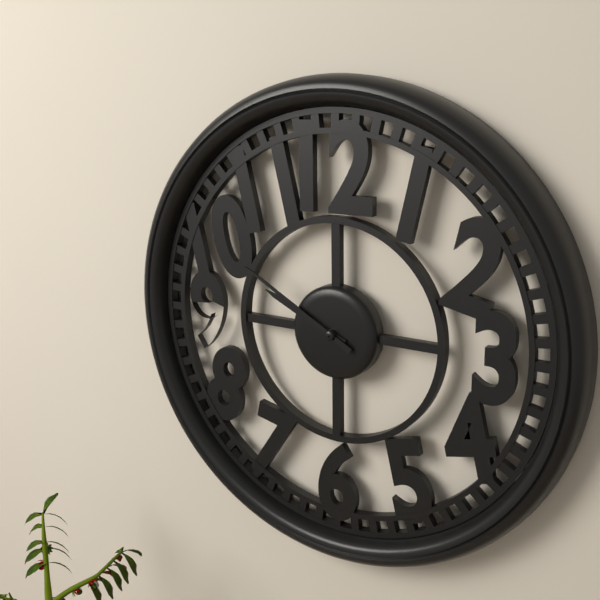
9.50
